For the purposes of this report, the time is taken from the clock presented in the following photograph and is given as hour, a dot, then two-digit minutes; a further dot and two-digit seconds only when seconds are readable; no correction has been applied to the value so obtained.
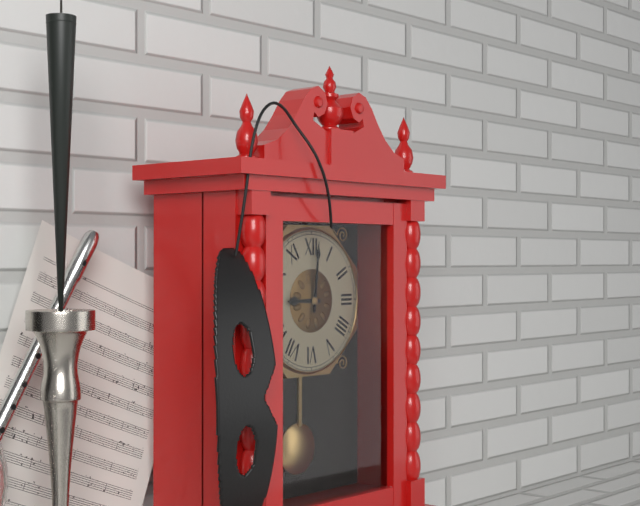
9.01
